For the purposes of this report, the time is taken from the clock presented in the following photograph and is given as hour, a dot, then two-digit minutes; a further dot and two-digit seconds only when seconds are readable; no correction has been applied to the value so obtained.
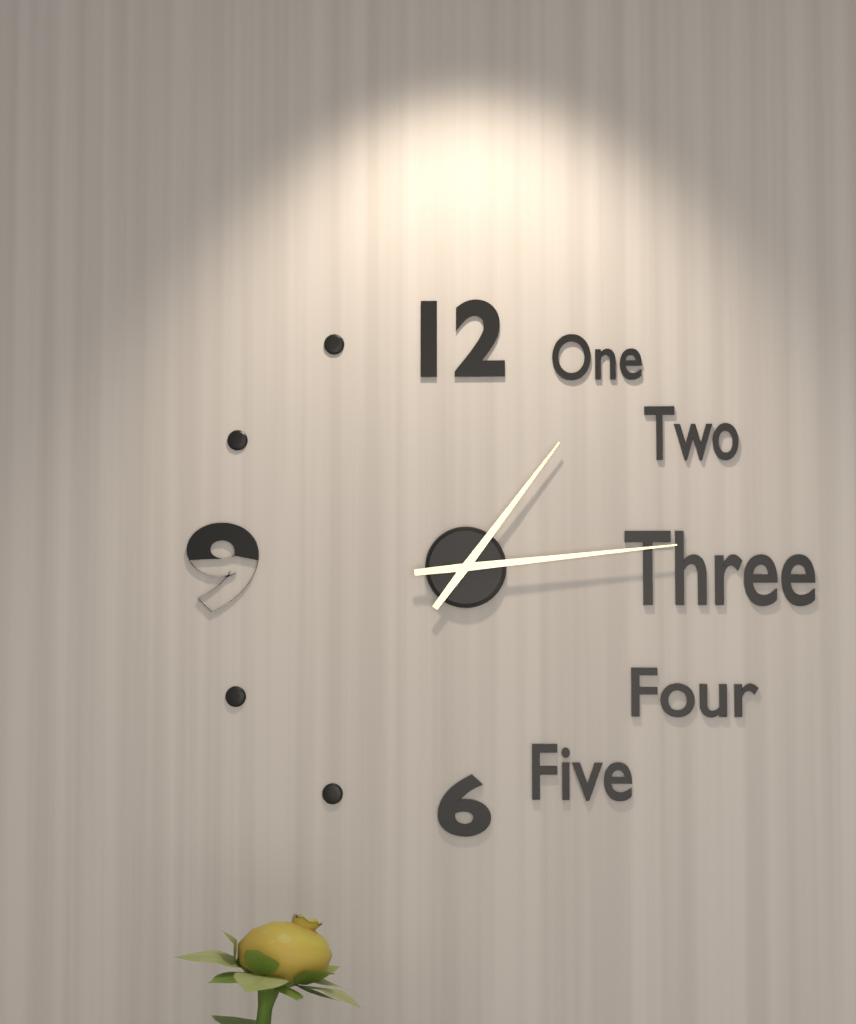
1.14
